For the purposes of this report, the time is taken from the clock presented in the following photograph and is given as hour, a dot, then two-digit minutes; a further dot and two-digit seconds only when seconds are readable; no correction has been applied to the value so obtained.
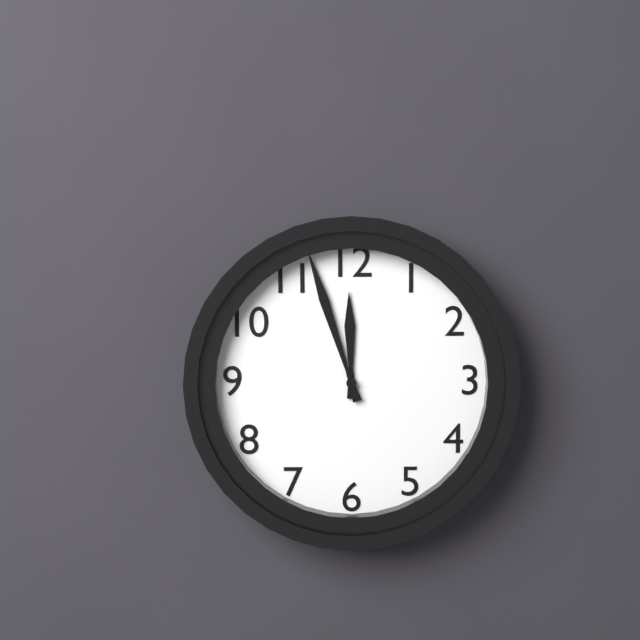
11.57
